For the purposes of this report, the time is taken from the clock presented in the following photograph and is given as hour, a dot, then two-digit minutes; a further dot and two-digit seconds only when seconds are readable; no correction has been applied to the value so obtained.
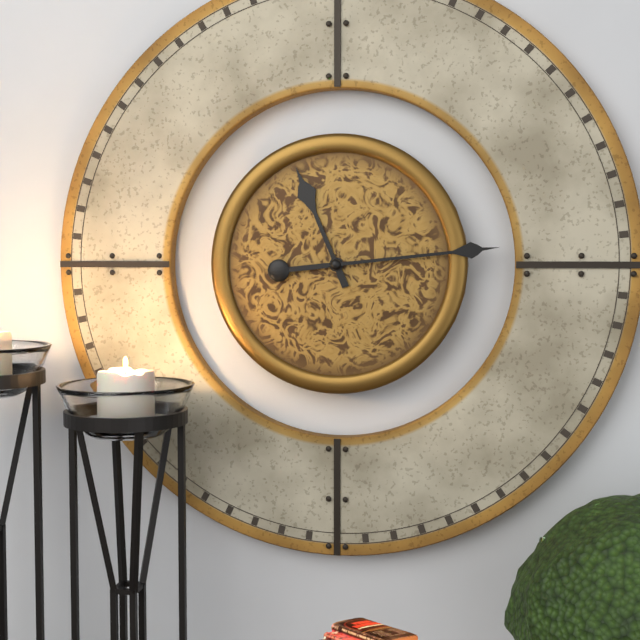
11.14
